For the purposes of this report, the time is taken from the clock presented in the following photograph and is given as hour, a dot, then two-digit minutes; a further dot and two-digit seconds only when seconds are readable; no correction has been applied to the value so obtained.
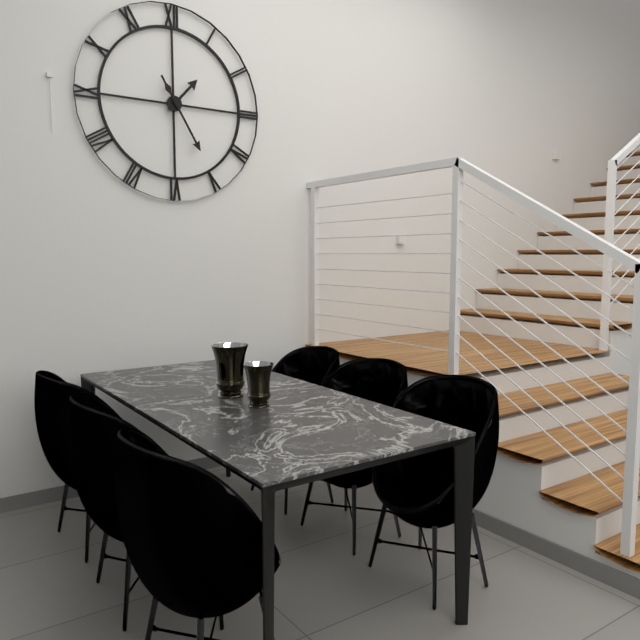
1.25
